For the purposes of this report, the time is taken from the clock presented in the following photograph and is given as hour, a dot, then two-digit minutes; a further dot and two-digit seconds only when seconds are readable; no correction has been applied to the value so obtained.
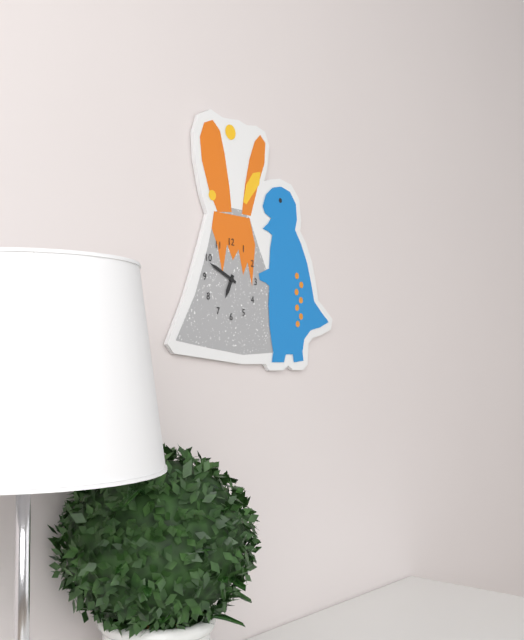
6.49
